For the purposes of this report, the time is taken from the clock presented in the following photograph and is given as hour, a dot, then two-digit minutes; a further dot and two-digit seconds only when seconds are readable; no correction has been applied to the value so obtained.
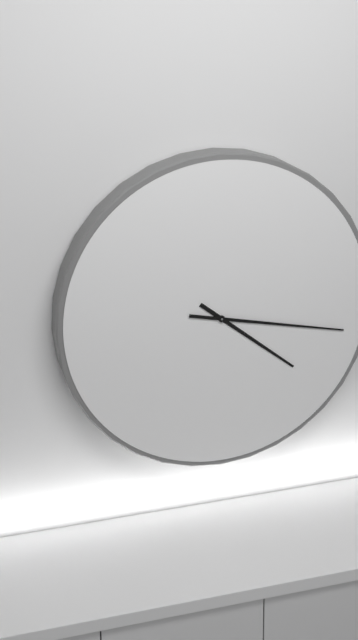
4.17
